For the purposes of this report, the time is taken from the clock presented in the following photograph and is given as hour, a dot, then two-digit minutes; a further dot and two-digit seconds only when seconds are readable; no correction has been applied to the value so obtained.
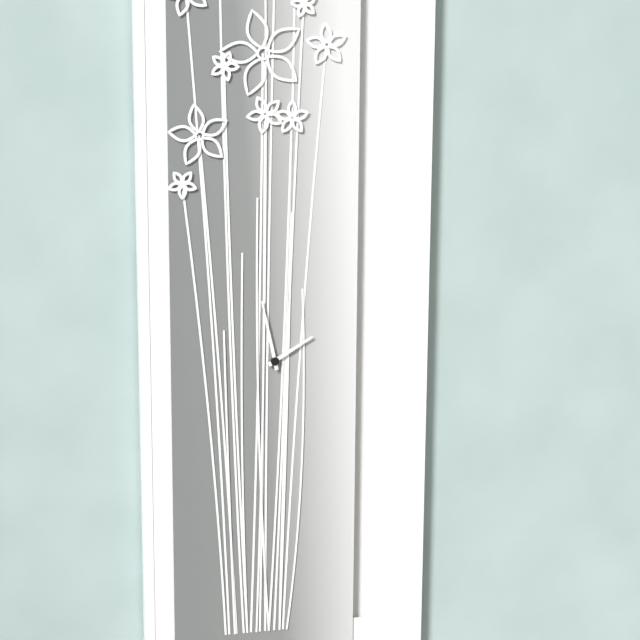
1.58
